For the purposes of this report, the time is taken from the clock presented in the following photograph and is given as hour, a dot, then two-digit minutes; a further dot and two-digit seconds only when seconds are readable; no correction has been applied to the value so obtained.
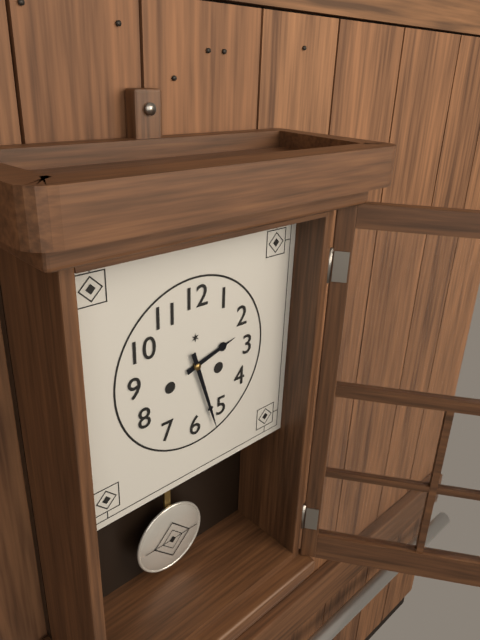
2.27
